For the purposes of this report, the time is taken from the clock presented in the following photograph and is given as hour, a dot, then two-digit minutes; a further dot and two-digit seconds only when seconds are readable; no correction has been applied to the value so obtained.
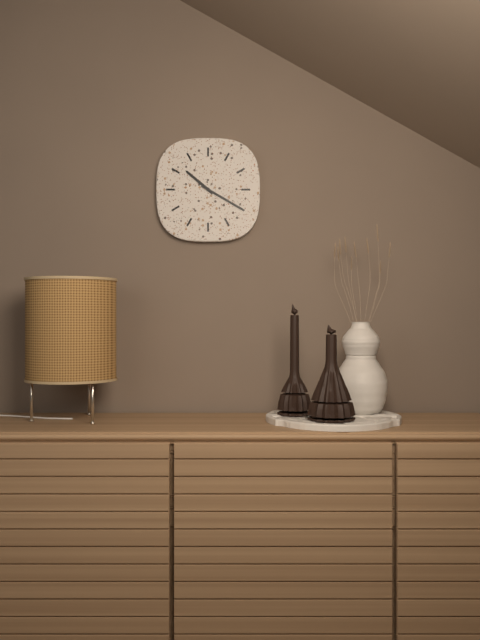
10.20
